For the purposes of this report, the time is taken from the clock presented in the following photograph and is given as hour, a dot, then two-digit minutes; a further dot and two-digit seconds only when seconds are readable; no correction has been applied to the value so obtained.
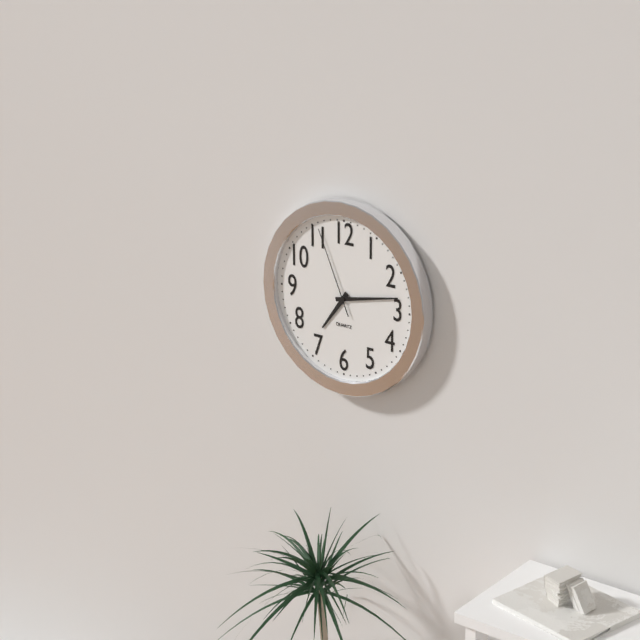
7.13.56
